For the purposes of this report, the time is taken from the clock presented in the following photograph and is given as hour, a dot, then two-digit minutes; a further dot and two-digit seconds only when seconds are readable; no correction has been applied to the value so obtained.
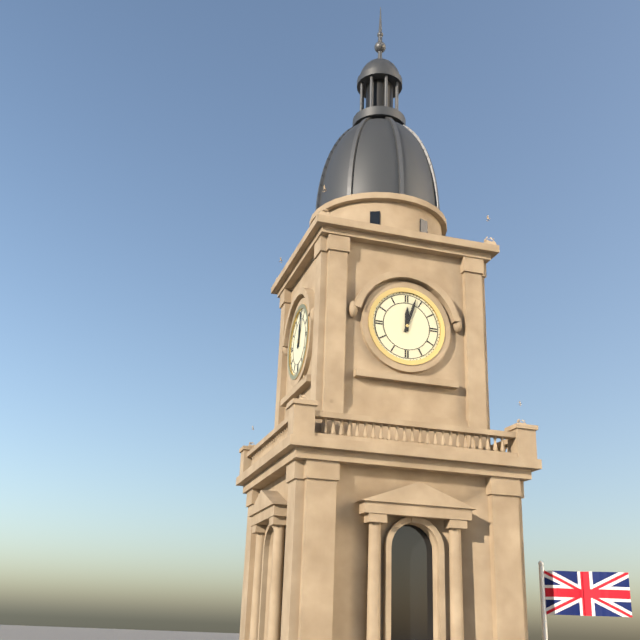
12.03
